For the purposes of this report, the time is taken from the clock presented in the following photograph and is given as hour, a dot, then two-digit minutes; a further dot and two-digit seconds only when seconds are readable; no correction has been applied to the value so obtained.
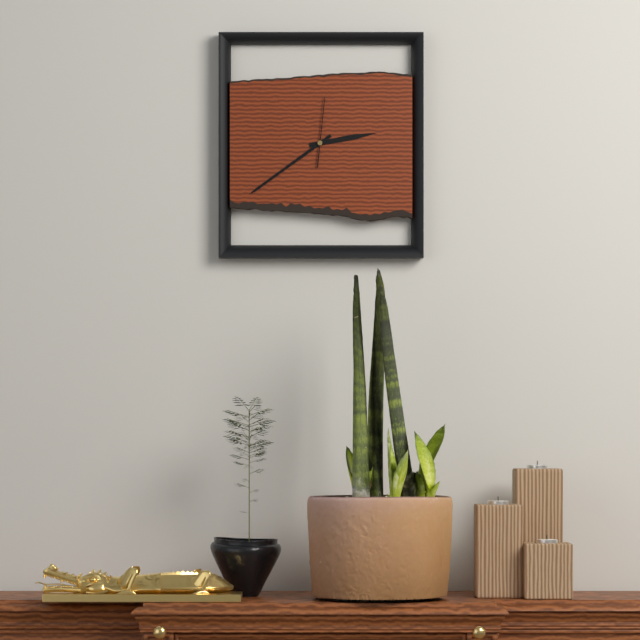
2.39.01
